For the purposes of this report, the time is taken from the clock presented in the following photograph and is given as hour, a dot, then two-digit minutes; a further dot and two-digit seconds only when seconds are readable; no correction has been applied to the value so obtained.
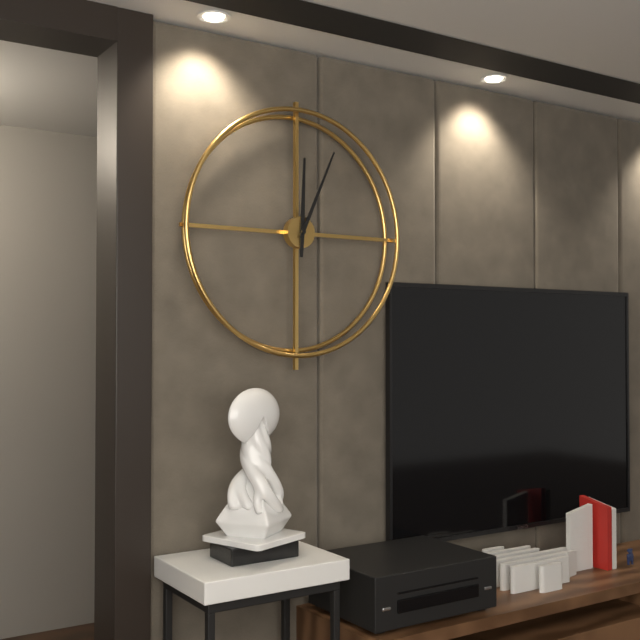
12.04
